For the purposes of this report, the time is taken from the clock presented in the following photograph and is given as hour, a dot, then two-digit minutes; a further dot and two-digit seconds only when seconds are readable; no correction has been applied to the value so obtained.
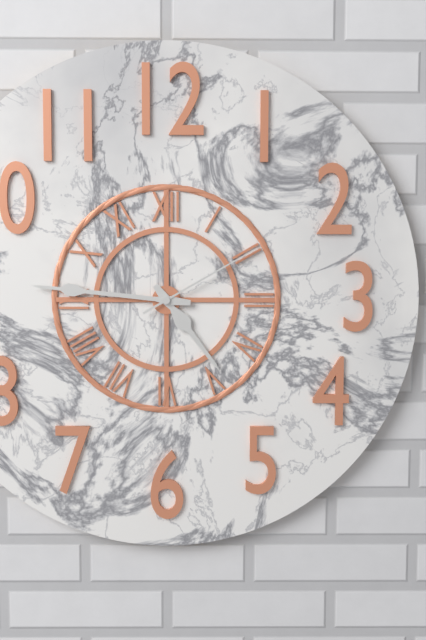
4.46.10
